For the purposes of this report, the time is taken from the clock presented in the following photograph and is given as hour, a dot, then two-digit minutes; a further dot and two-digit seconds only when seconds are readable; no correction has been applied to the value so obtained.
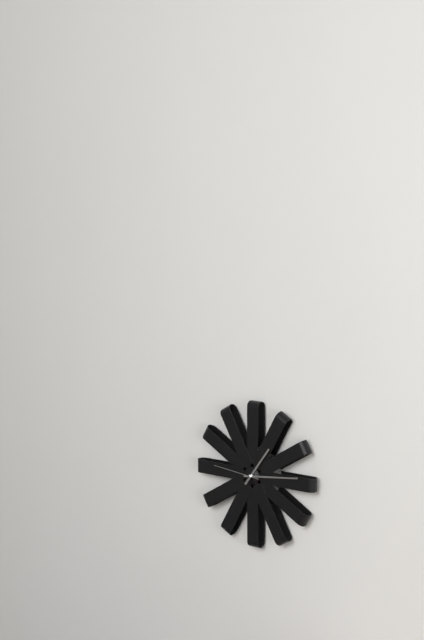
1.14
